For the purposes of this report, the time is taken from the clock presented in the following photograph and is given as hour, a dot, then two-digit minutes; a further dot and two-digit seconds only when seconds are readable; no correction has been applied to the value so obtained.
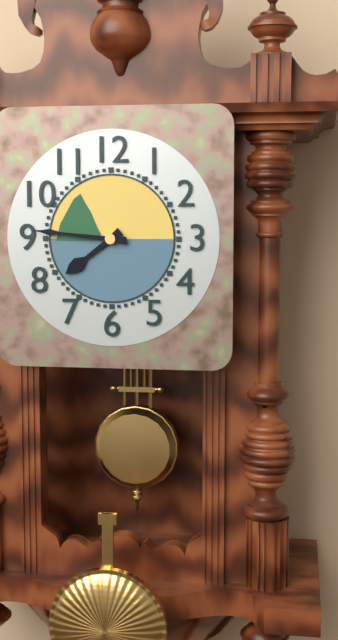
7.46
